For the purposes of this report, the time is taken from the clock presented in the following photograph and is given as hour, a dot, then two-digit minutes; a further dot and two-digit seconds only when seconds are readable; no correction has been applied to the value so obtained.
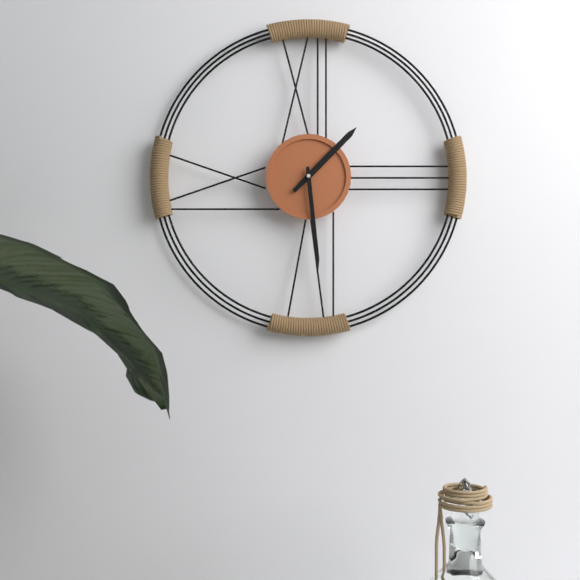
1.29
